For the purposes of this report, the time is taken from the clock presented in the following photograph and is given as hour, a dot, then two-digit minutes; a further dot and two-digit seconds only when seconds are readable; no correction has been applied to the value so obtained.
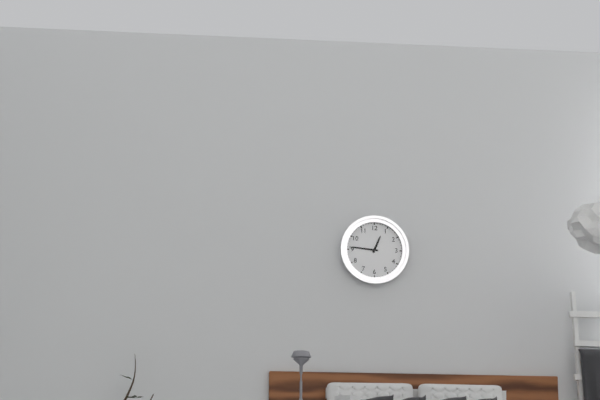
12.46
